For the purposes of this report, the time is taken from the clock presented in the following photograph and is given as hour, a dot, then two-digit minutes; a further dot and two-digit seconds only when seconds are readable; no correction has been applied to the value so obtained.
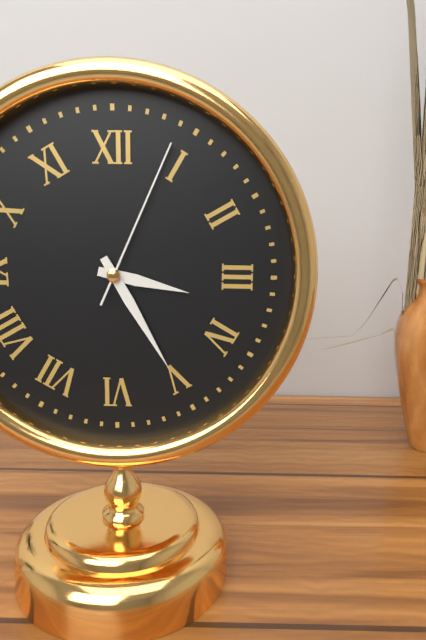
3.25.04
